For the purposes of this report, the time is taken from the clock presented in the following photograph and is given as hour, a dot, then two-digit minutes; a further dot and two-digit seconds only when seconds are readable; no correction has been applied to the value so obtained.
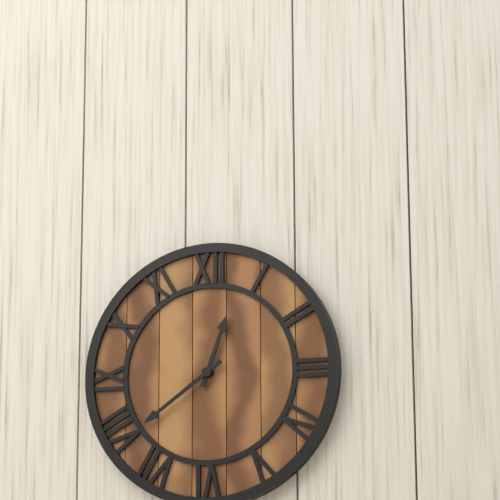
12.39
